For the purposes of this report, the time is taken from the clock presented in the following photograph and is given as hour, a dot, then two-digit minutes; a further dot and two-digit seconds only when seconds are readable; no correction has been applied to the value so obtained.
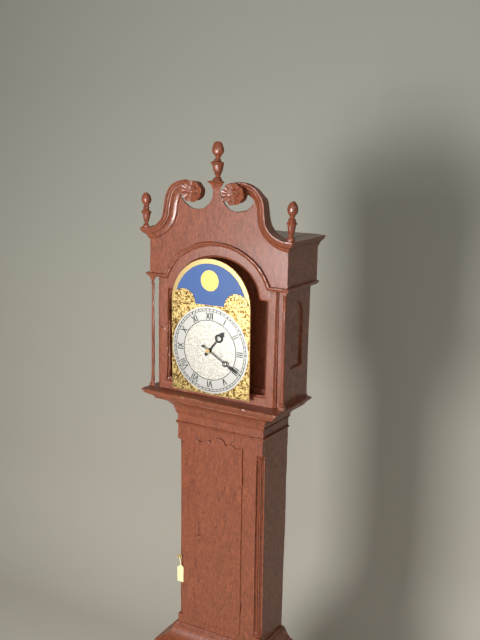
1.20
